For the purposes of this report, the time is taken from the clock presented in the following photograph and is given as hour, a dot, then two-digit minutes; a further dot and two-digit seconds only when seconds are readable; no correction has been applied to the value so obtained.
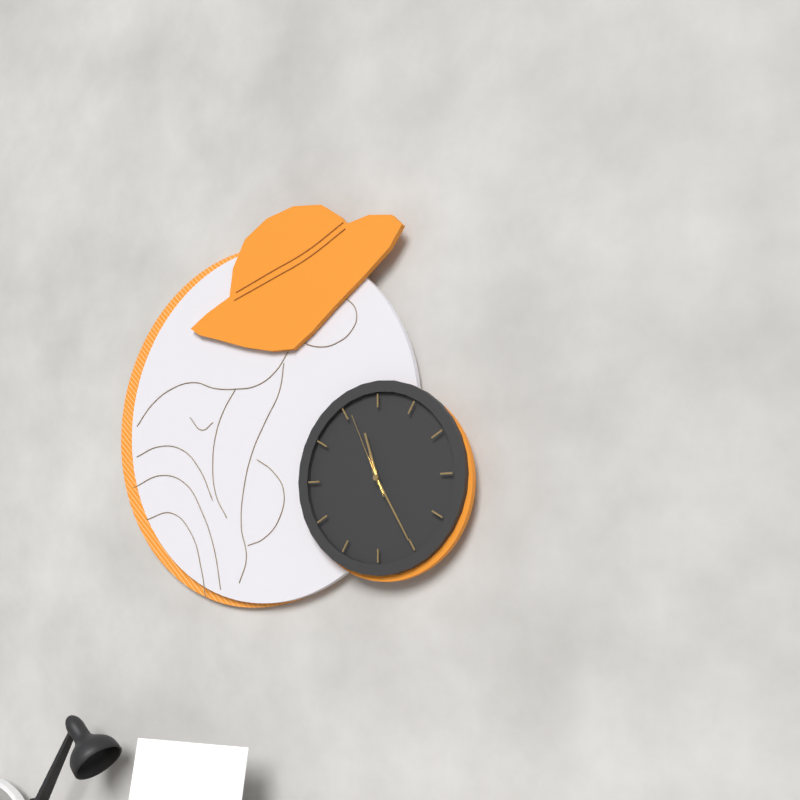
11.25.56
